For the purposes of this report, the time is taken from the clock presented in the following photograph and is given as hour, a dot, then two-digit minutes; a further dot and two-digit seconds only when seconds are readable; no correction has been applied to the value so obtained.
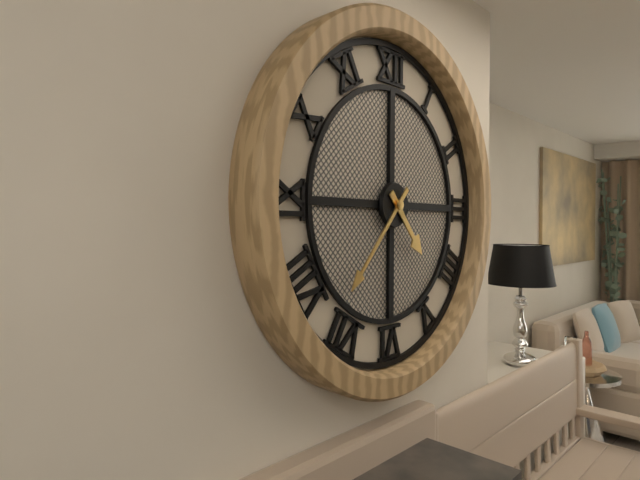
4.37
